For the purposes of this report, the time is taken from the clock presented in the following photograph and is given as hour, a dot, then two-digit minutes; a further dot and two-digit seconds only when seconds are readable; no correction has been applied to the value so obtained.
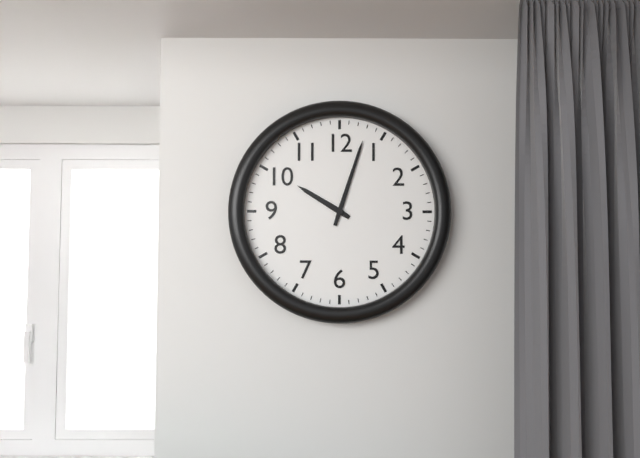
10.03
